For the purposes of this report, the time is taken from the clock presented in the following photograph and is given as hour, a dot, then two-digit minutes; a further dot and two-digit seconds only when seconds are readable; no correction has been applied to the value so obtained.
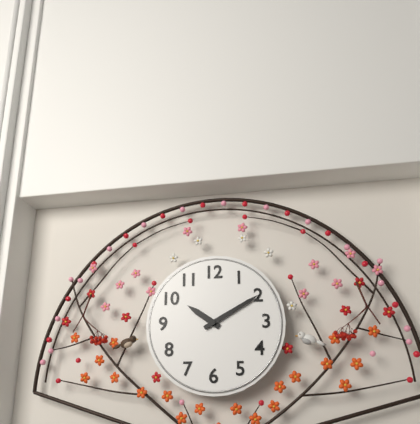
10.10
